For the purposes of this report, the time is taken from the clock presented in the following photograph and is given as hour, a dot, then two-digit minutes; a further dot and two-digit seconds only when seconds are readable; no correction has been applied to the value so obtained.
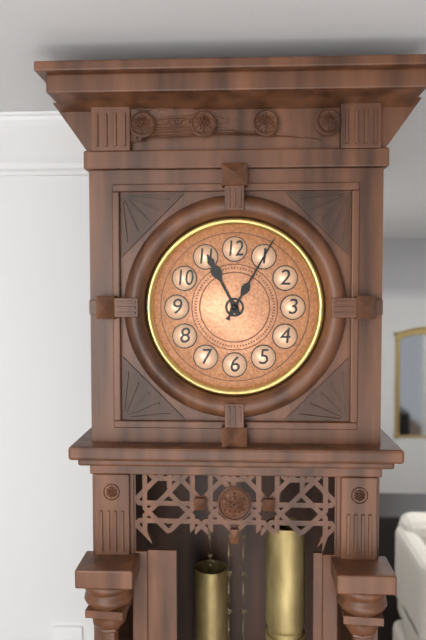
11.05
